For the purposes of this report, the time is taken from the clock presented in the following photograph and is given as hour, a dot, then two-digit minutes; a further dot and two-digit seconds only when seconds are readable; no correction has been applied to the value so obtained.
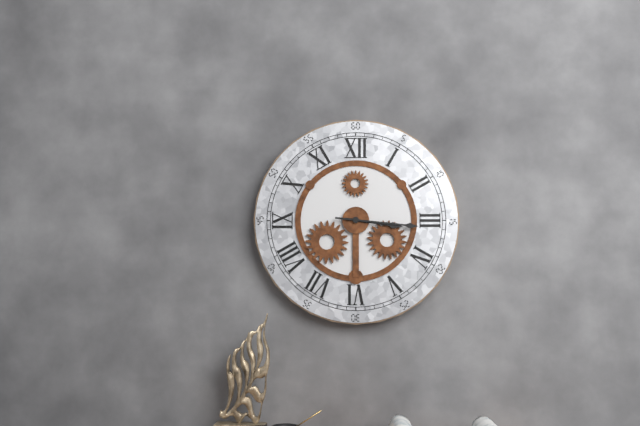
3.16
